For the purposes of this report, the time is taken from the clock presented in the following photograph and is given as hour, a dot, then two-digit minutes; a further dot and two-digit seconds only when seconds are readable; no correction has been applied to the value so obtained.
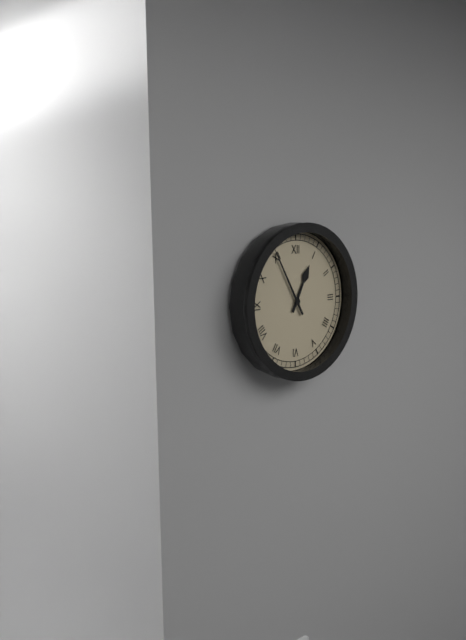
12.55
